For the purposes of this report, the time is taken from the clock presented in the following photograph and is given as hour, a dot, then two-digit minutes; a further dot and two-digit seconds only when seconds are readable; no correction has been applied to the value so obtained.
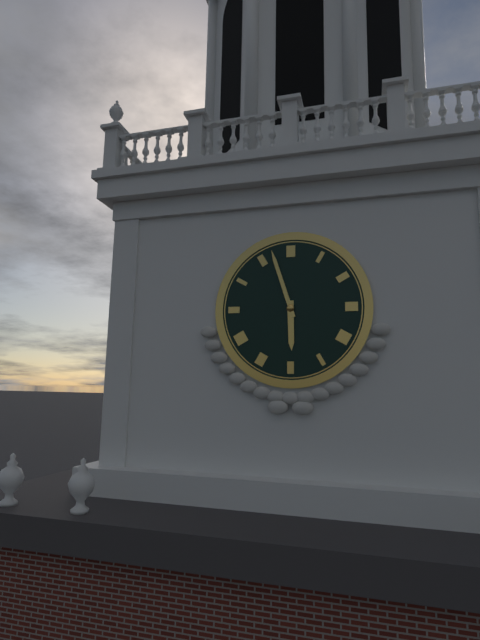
5.57
